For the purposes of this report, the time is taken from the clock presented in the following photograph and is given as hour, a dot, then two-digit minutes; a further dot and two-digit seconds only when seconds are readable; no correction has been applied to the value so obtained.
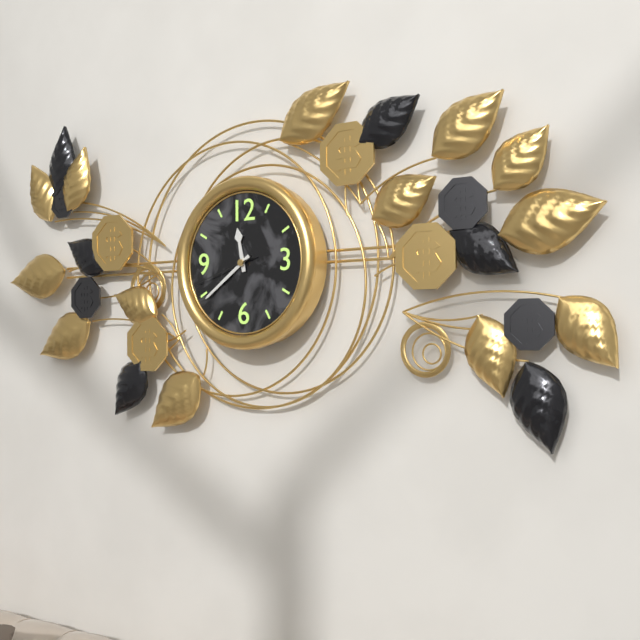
11.39.42
